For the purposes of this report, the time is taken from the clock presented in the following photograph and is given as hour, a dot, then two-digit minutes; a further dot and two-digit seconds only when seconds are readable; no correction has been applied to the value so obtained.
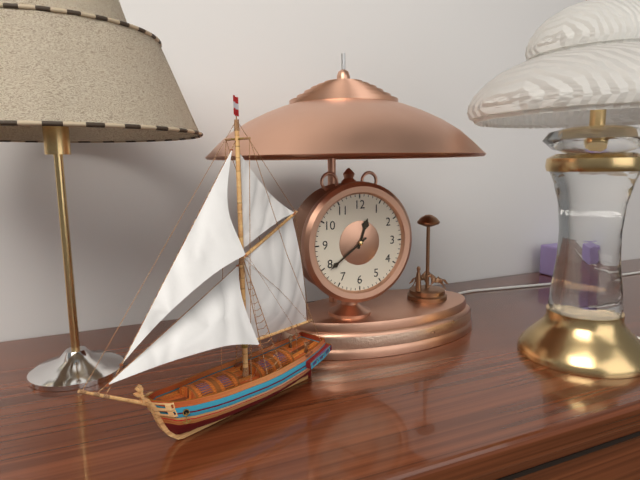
12.39
